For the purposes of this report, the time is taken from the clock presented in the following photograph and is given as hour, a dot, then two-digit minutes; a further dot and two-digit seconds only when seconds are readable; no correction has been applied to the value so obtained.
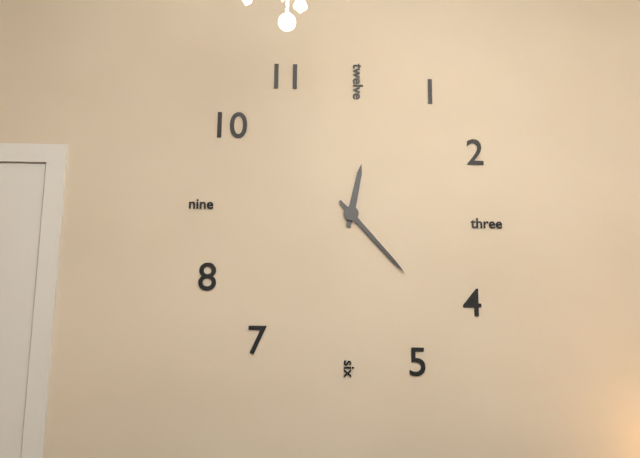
12.23
